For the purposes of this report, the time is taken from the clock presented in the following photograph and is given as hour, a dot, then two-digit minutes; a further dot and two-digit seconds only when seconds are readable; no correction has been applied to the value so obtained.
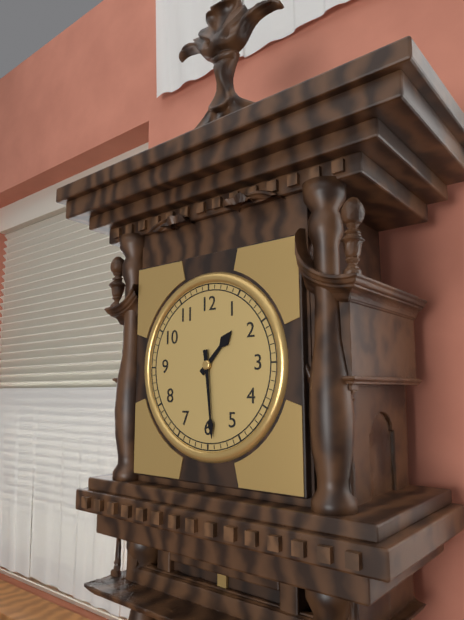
1.29
